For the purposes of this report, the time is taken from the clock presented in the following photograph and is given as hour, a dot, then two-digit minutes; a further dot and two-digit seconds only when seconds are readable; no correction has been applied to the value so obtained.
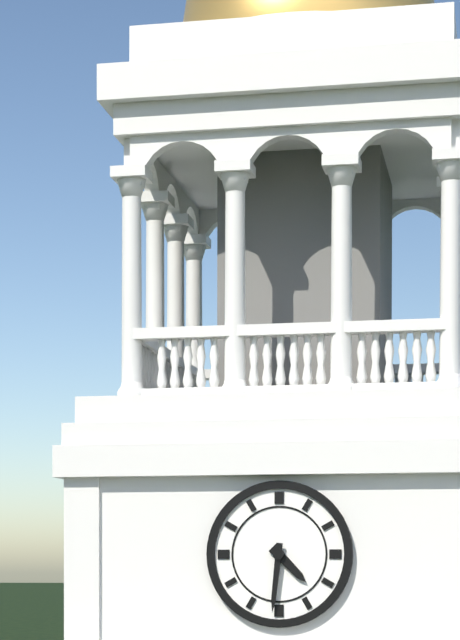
4.31
